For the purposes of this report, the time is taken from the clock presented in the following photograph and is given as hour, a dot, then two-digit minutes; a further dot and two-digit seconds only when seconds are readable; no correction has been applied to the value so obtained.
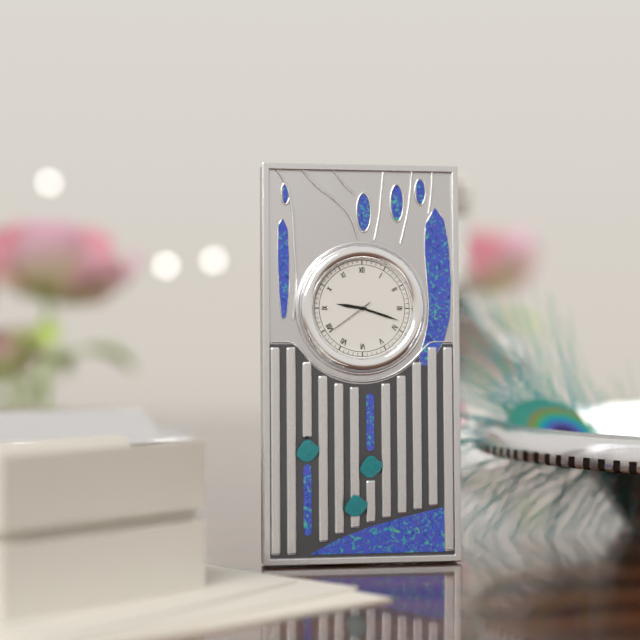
9.18.39
